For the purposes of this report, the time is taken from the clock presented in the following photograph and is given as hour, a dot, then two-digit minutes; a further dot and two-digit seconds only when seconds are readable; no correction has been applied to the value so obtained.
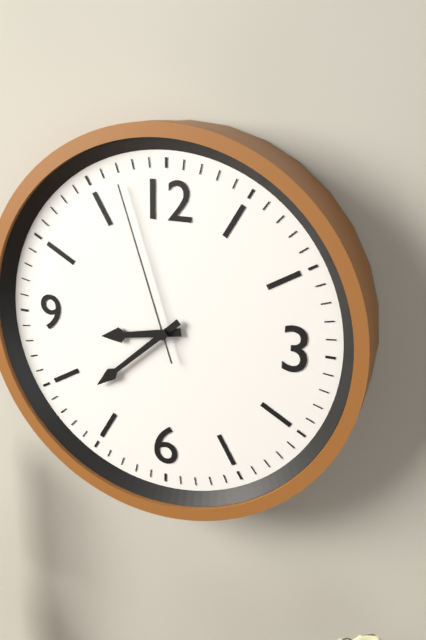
8.38.57
